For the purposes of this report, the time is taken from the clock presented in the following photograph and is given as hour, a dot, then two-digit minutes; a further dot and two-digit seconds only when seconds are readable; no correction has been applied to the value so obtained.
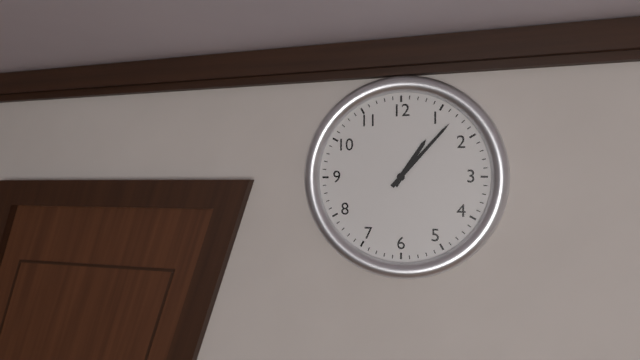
1.07
